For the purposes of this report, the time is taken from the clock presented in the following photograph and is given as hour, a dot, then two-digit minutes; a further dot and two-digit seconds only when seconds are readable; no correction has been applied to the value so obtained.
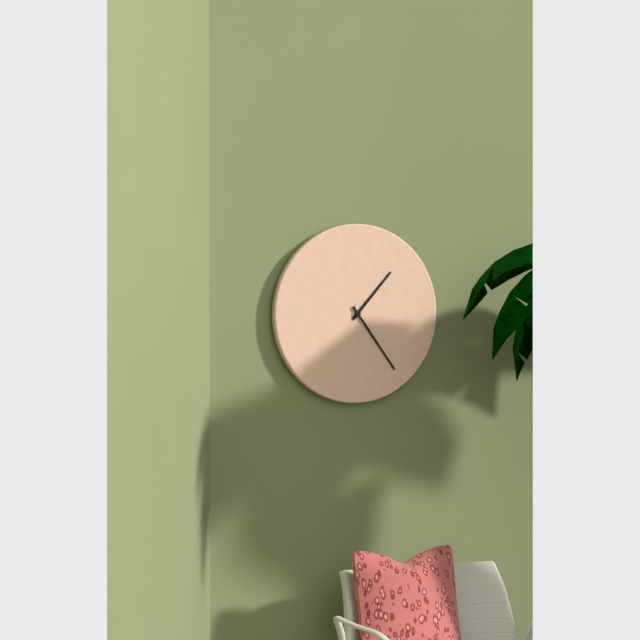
1.24
